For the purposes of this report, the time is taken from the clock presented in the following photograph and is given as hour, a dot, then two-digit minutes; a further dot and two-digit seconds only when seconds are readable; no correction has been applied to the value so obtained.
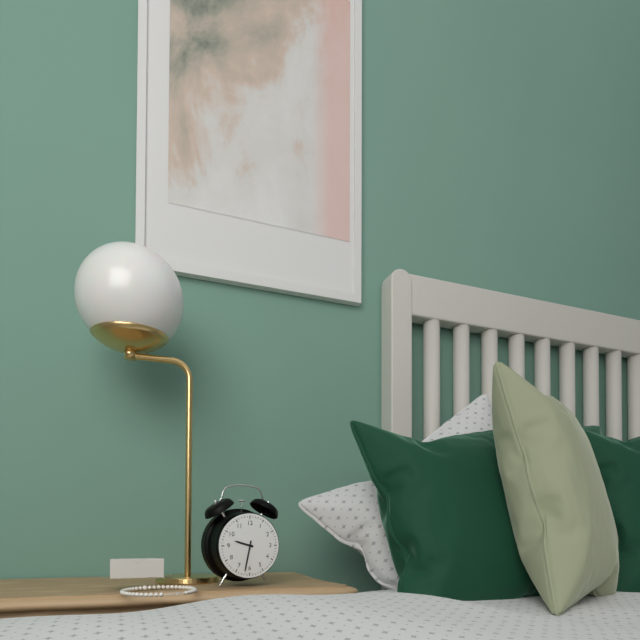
9.32
